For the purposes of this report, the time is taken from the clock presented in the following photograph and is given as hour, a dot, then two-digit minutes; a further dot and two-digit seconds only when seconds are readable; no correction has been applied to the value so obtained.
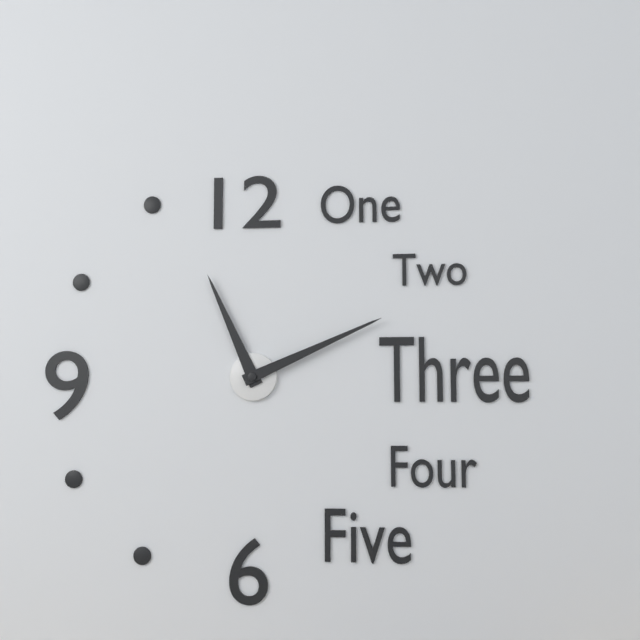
11.11
